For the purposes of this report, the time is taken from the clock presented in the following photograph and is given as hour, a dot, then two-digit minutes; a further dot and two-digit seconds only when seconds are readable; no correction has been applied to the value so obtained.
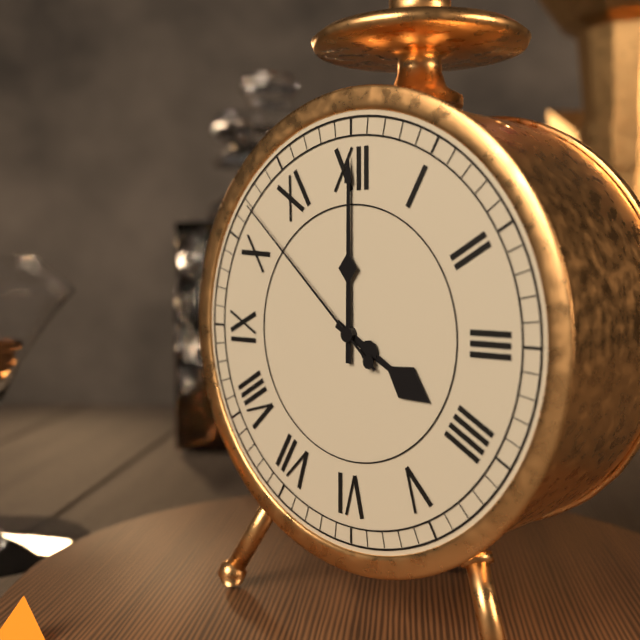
4.00.52
